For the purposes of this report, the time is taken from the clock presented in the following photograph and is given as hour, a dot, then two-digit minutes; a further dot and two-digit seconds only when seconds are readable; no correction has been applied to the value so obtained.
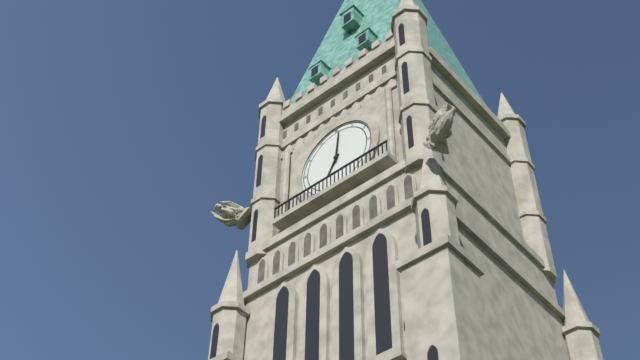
7.01
